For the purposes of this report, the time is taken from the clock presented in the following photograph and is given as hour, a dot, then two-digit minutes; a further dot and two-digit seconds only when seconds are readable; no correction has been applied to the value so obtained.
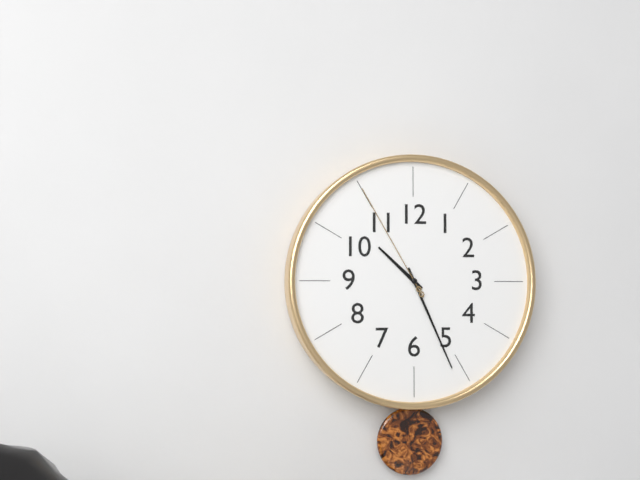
10.26.55
